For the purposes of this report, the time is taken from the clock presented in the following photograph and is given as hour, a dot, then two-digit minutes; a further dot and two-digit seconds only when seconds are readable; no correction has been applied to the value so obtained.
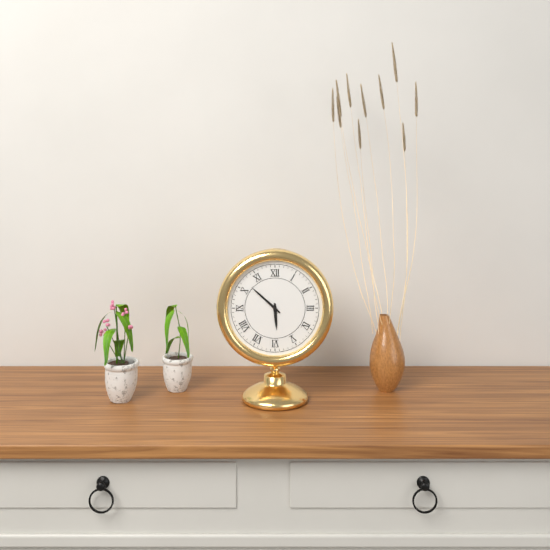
5.52
